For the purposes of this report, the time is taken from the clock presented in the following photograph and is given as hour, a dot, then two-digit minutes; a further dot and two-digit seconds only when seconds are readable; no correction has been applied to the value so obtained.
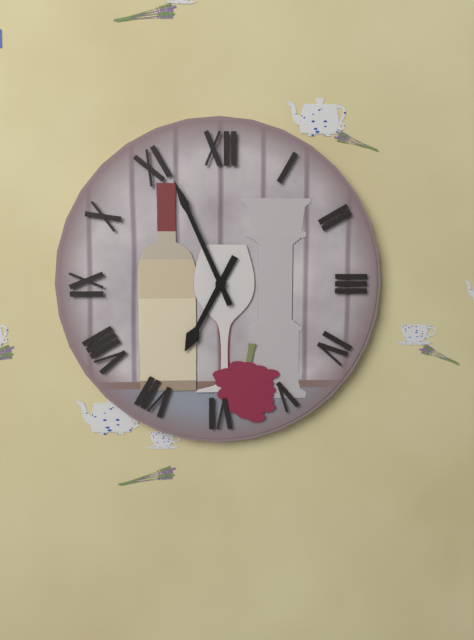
6.56
